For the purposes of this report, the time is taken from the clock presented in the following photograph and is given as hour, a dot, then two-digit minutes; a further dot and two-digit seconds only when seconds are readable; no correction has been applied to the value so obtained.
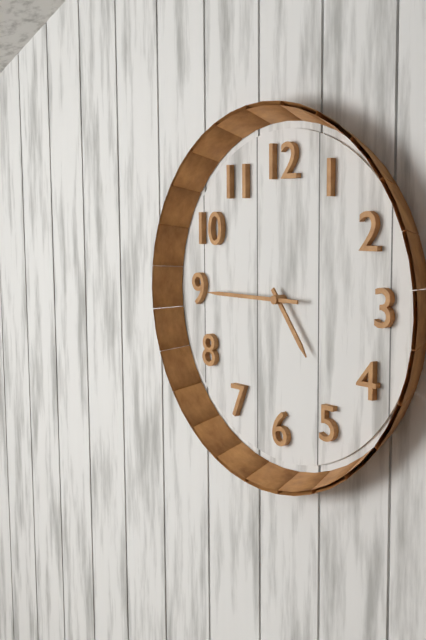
4.45
